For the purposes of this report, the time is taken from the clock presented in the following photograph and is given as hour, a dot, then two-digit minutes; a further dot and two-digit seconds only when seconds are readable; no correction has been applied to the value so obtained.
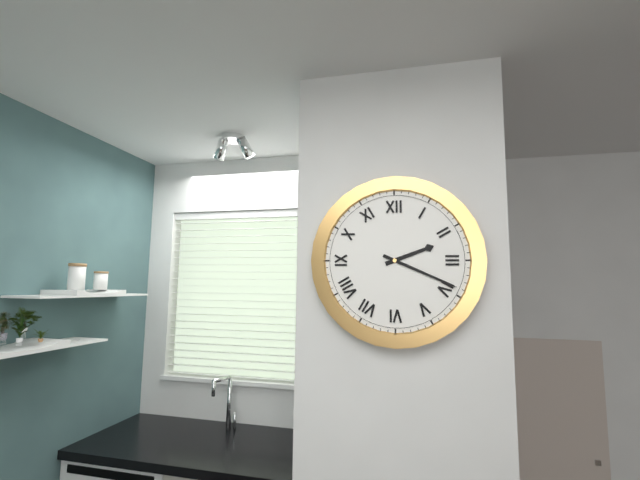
2.19
